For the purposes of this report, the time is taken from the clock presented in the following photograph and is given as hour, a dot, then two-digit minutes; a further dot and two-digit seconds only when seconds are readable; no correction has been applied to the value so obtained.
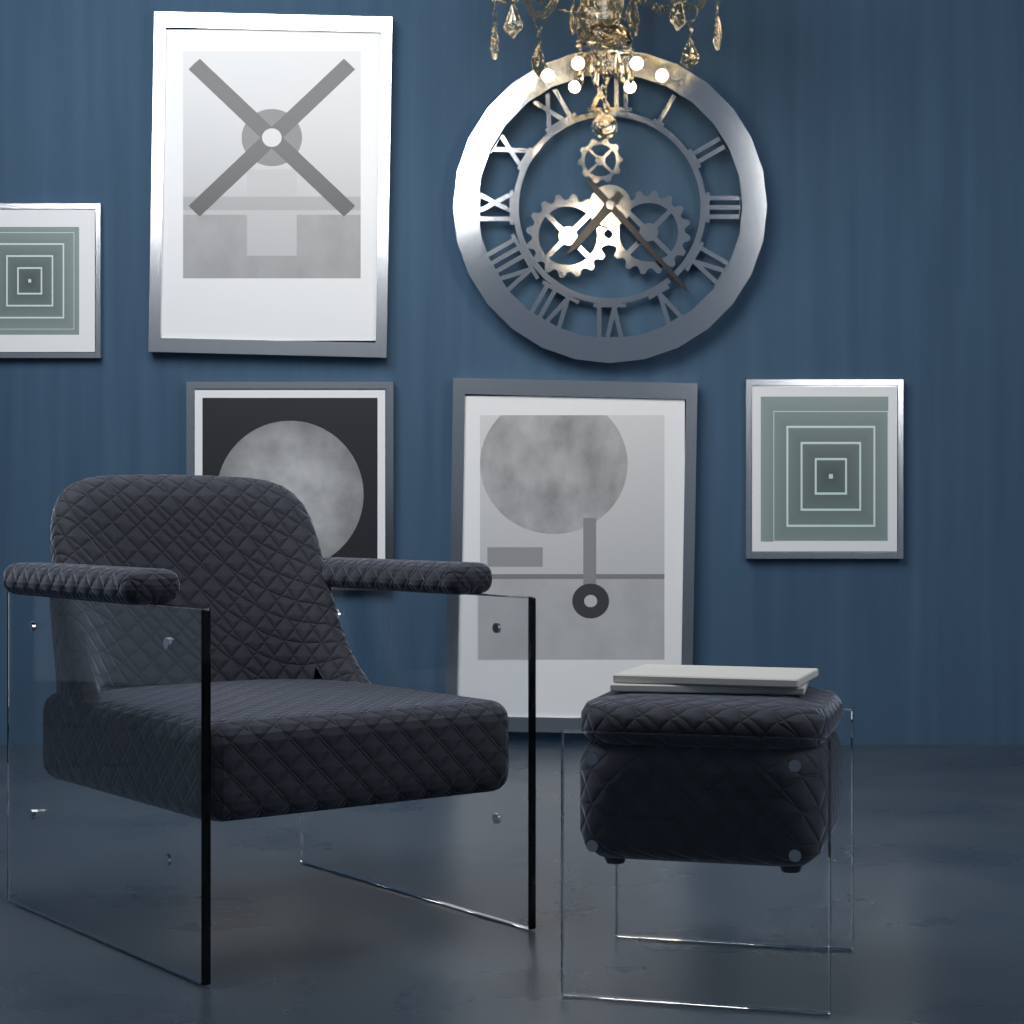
7.23
